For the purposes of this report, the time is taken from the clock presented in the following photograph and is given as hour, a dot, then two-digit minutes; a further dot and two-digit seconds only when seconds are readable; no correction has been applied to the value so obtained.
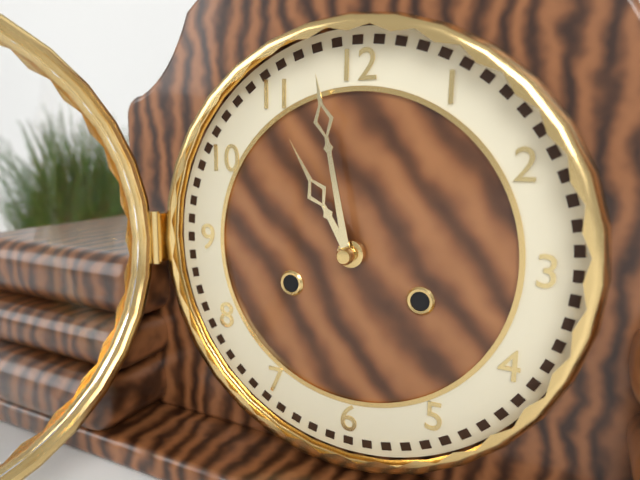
10.58
